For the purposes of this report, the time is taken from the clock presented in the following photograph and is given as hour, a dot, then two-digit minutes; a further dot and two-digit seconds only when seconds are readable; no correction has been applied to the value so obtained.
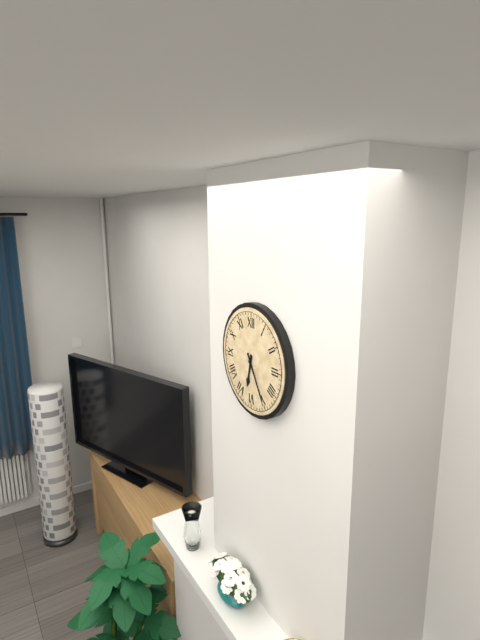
6.25
